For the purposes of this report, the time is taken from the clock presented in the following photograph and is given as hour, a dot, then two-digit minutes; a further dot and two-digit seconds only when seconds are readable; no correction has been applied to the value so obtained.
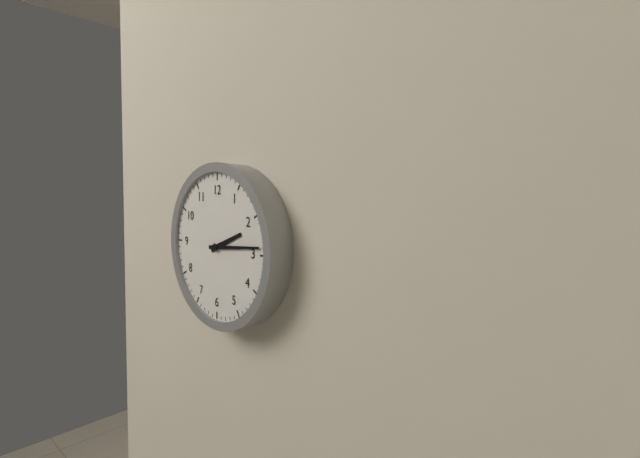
2.14
